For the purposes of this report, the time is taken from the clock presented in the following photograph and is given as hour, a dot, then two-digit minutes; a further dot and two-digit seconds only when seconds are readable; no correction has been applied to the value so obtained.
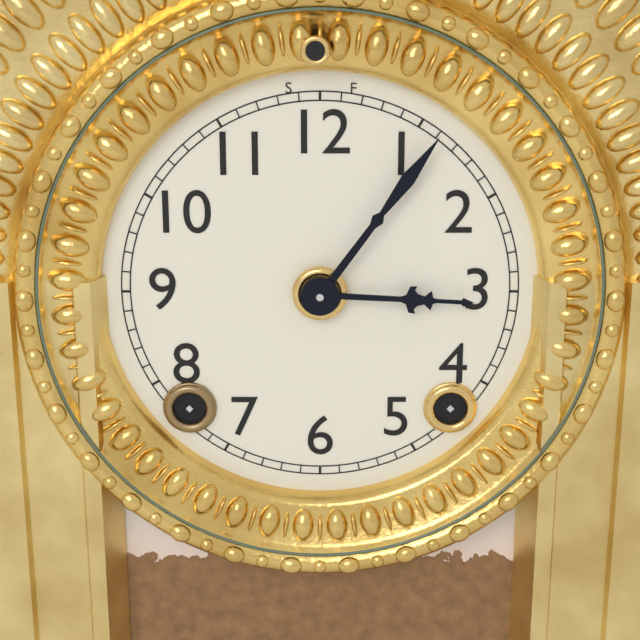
3.06
